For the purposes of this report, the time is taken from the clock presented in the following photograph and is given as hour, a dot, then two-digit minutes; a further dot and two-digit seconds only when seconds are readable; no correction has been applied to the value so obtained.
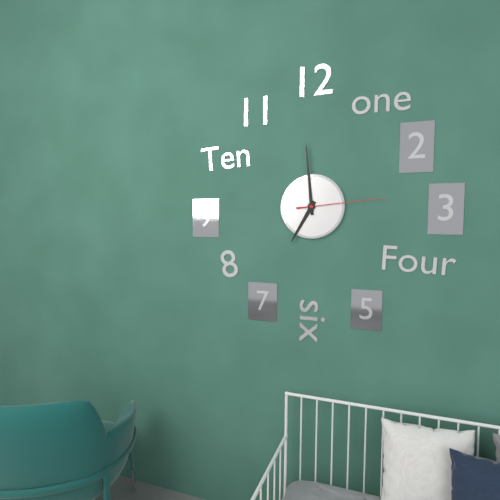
6.59.14
